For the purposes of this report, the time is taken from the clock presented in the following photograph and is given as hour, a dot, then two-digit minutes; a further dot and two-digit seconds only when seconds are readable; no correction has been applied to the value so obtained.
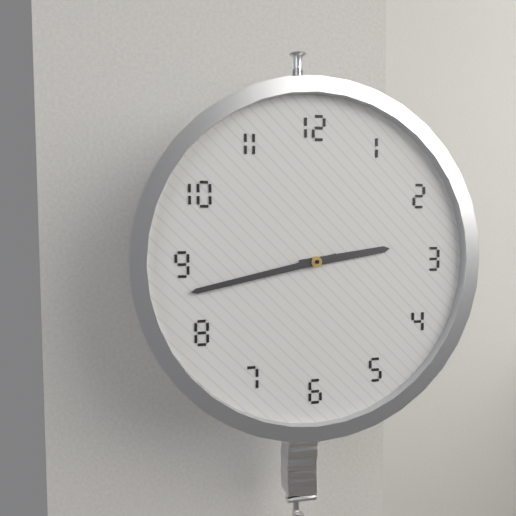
2.43
